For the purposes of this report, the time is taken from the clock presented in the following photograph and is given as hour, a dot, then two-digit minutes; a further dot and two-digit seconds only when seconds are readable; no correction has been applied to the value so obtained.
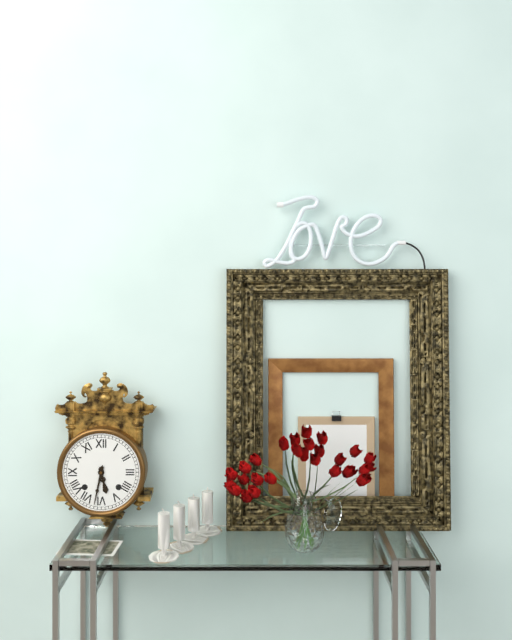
5.32
